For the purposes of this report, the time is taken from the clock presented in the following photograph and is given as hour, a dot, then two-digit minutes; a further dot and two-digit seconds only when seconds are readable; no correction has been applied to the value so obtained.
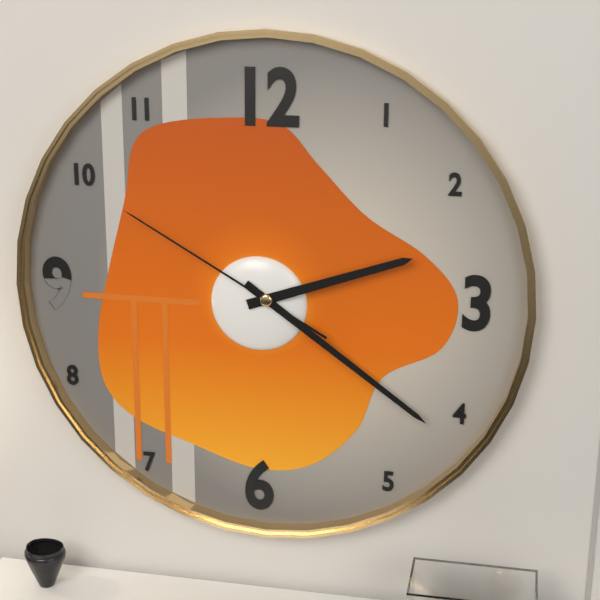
2.21.50
